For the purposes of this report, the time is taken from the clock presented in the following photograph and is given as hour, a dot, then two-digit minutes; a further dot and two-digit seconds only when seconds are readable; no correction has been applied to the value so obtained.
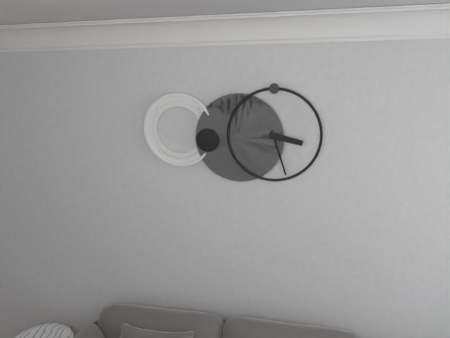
3.27
